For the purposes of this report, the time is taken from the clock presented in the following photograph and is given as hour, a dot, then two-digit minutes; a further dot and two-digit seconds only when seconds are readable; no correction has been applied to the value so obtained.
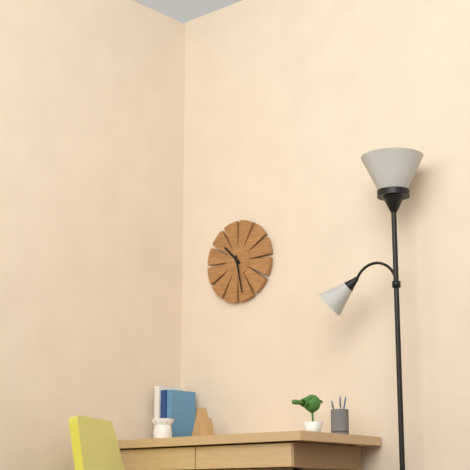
10.28
